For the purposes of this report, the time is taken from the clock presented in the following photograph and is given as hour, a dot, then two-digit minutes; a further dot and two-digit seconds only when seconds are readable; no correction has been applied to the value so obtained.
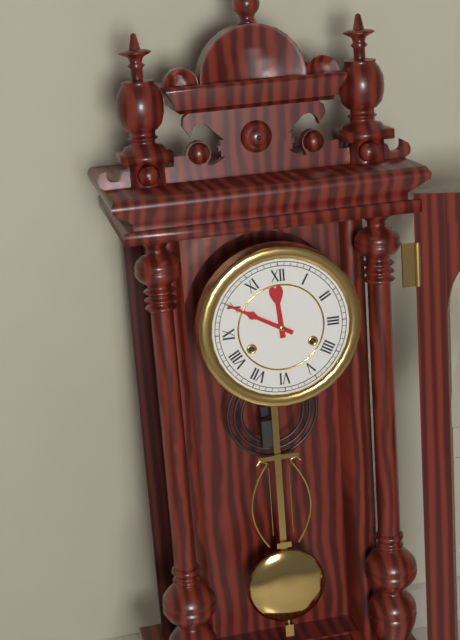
11.50
